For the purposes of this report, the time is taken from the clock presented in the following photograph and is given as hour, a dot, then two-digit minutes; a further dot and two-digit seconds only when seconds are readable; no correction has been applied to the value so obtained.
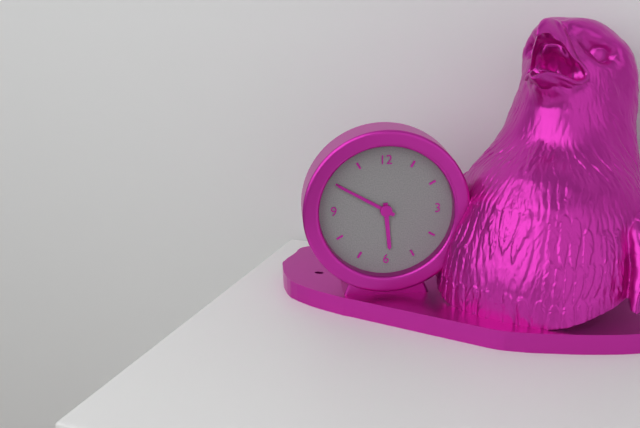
5.50
